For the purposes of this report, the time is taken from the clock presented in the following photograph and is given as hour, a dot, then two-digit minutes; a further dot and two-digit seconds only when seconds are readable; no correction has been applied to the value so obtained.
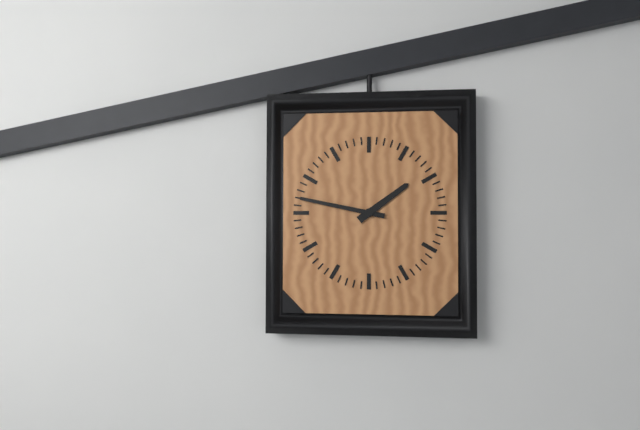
1.47
